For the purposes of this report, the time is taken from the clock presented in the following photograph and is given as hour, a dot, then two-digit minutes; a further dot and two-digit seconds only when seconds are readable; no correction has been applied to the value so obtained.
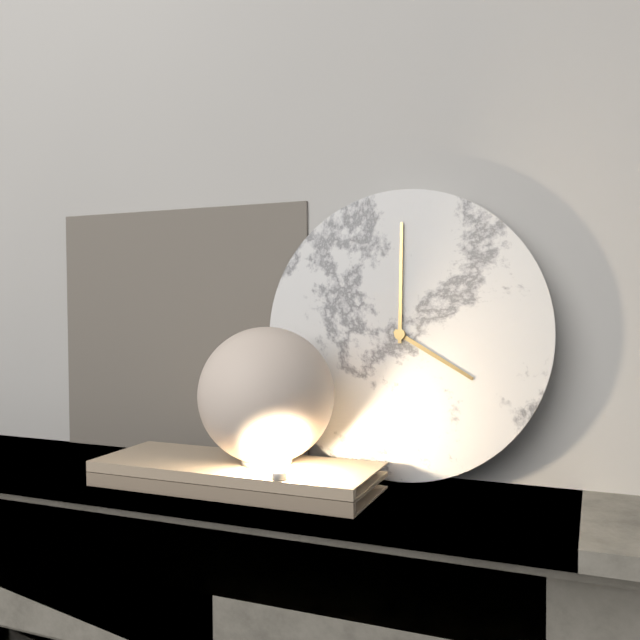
4.00
